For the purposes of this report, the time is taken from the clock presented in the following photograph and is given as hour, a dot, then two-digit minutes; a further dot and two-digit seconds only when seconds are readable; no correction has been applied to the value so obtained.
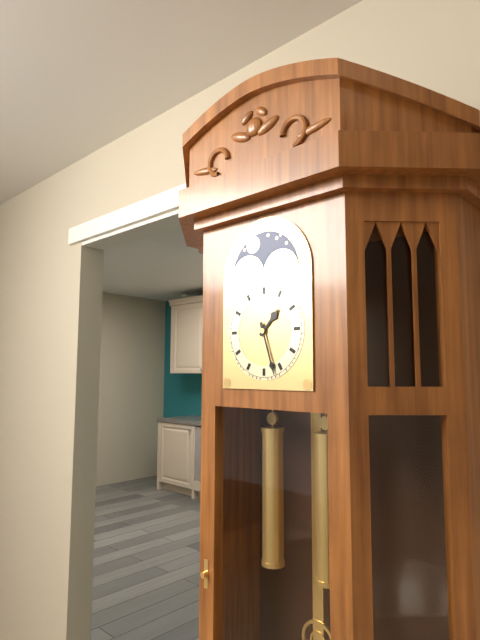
1.27
